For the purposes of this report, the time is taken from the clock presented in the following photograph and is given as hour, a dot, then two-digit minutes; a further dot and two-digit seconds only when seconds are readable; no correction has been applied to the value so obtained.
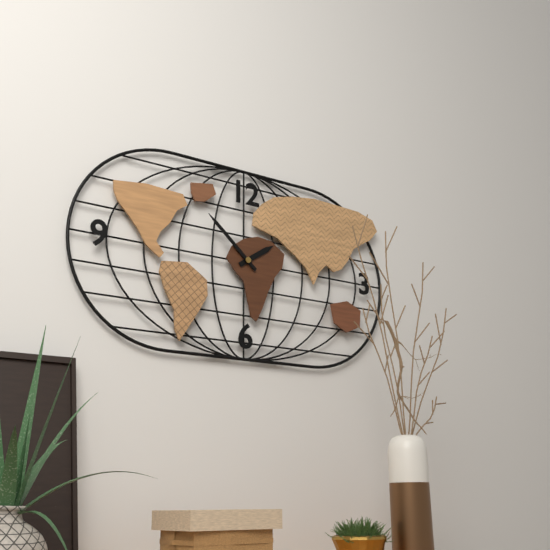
1.52
